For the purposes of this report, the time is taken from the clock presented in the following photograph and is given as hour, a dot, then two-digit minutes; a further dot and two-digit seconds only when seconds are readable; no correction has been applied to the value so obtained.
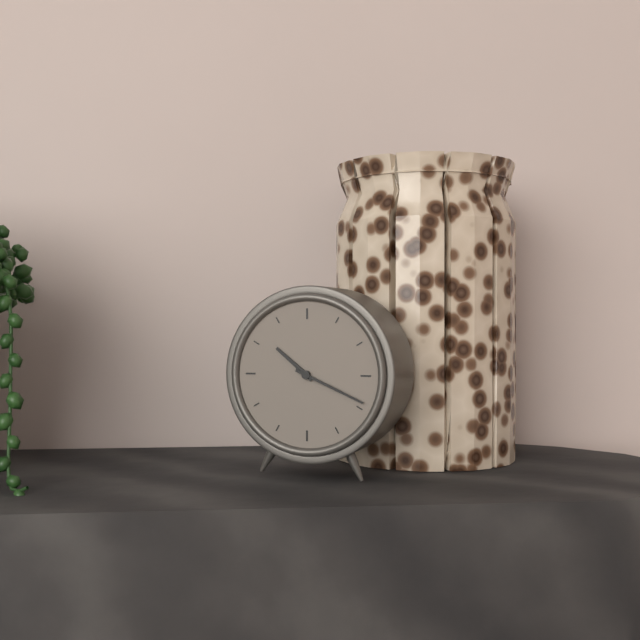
10.19
